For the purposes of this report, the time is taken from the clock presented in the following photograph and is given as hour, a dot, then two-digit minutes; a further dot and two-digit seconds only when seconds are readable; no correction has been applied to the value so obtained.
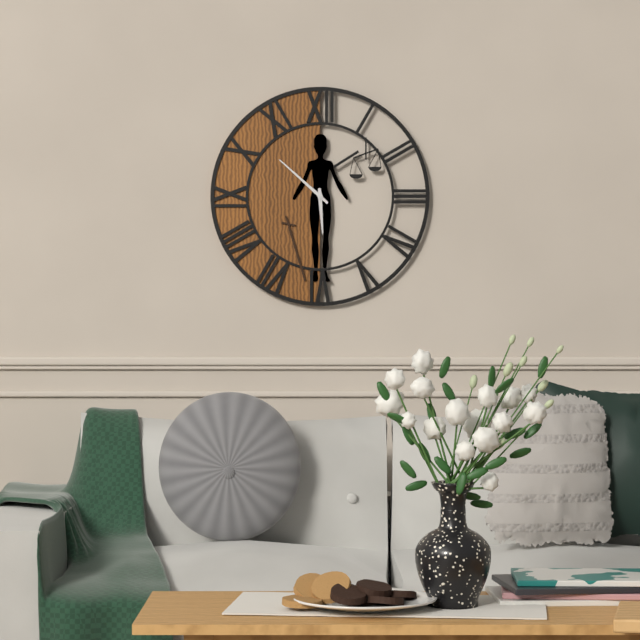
5.52
